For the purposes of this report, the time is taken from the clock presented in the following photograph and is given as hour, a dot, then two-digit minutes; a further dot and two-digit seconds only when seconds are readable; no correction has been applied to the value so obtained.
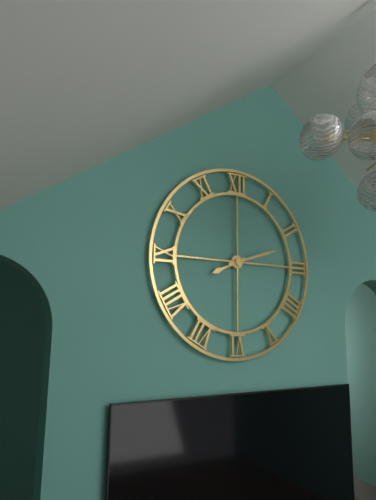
8.12
